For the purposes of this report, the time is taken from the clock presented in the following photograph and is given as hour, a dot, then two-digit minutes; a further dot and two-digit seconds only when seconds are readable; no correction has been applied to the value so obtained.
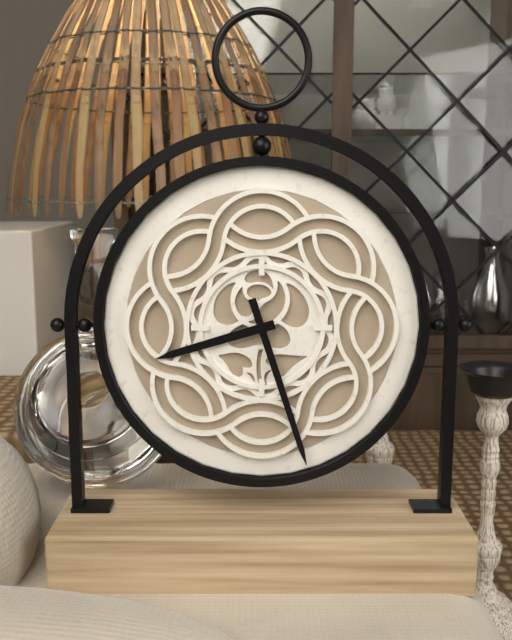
8.27
